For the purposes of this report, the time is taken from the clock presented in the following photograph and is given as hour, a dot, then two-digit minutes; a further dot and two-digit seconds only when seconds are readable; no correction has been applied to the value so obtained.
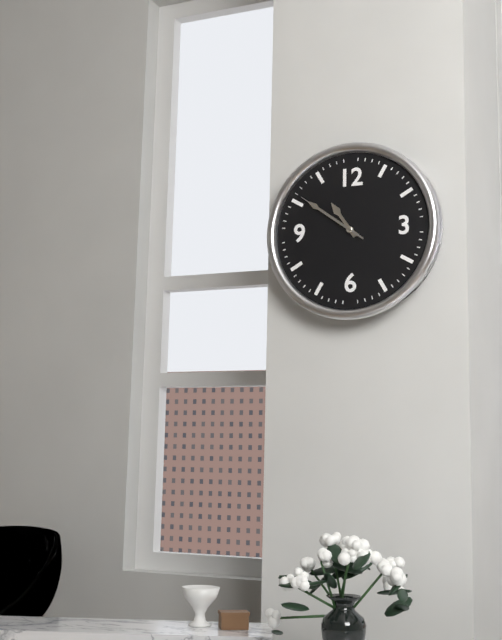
10.51.51
